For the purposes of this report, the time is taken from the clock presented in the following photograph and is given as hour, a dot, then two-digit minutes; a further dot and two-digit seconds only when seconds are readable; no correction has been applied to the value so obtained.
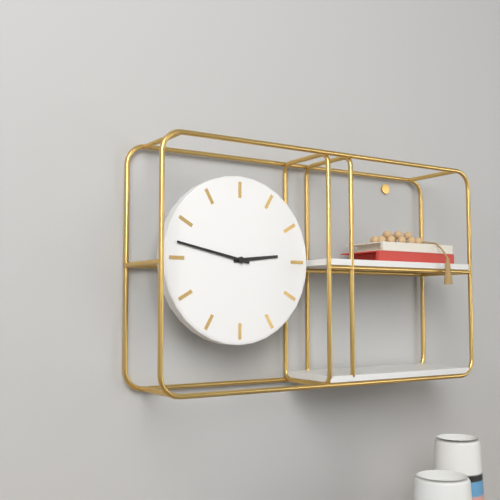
2.47
